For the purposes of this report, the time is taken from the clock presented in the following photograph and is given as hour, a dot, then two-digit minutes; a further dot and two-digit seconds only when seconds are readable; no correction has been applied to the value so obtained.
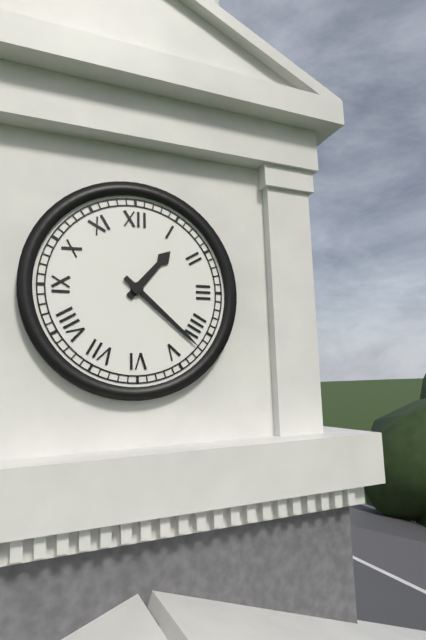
1.22
